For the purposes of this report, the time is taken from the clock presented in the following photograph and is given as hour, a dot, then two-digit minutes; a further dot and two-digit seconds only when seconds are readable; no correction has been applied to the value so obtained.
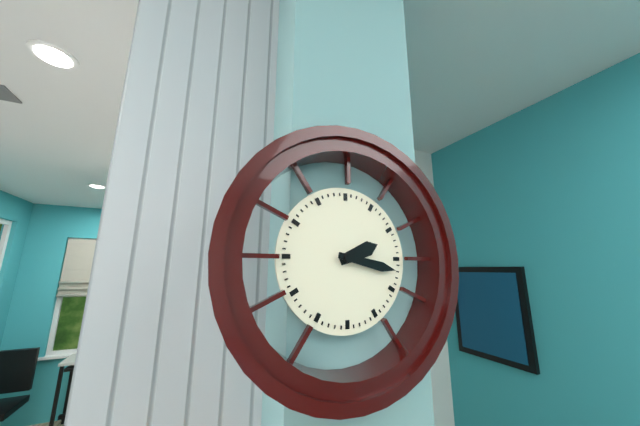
2.17
